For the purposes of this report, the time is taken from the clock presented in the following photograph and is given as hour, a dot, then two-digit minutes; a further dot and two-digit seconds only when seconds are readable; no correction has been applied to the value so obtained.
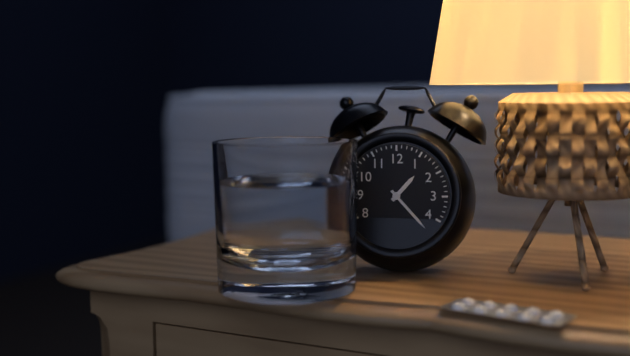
1.23
